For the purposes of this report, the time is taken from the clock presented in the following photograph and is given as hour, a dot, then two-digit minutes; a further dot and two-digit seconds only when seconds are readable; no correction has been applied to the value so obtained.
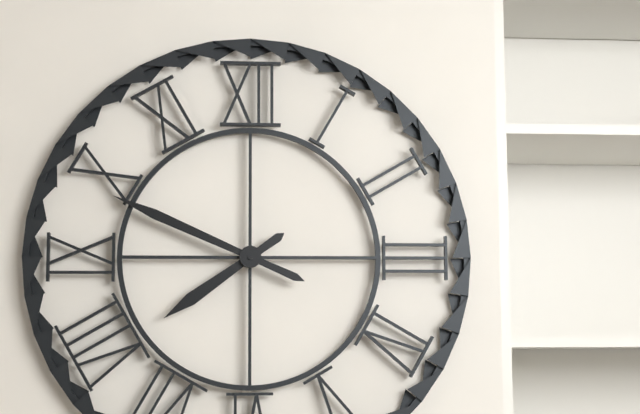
7.49
